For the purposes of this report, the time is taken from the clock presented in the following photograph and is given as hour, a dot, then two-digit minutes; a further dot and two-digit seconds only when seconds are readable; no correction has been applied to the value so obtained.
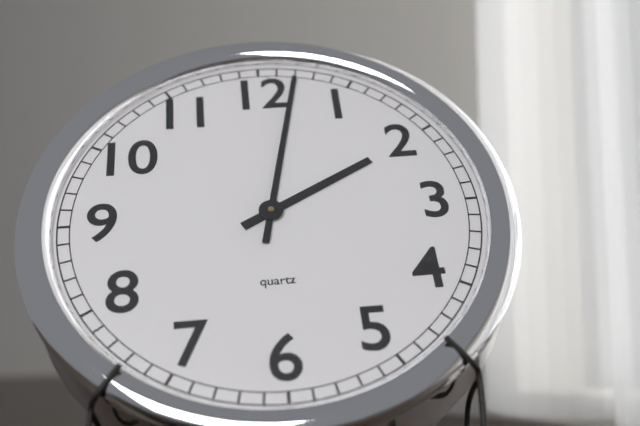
2.02
